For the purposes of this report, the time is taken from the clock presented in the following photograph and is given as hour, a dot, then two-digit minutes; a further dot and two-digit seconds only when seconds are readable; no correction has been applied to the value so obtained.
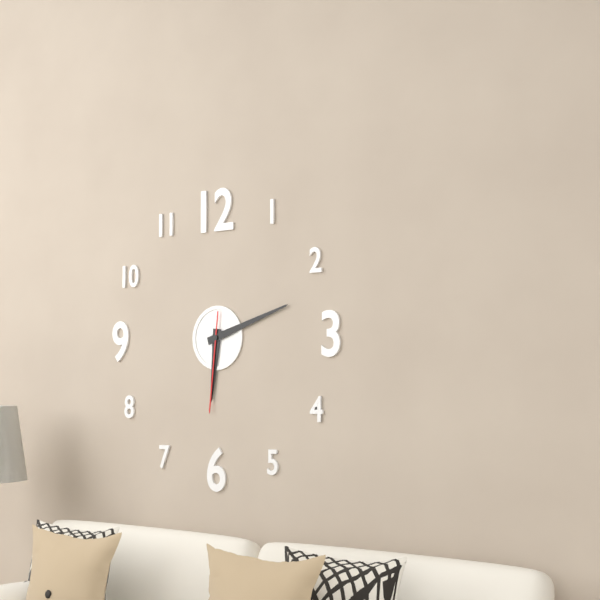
6.12.31
